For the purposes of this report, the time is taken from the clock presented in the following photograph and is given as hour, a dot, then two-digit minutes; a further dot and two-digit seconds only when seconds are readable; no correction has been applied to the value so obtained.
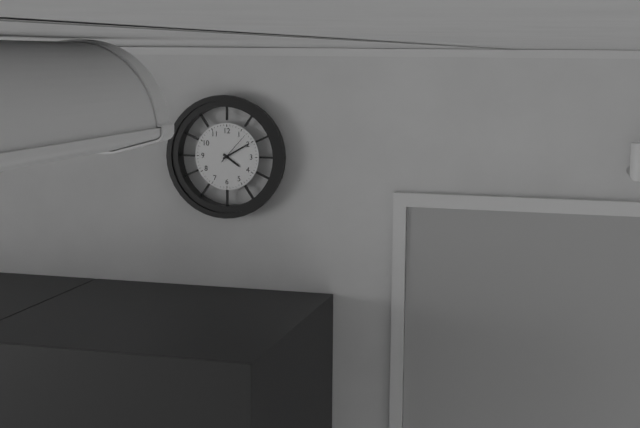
4.10
